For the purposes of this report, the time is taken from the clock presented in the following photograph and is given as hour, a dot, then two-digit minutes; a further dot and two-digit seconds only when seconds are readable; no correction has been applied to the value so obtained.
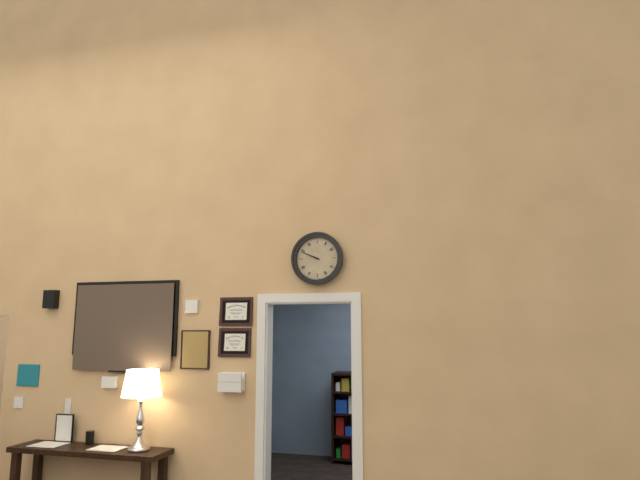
9.49
